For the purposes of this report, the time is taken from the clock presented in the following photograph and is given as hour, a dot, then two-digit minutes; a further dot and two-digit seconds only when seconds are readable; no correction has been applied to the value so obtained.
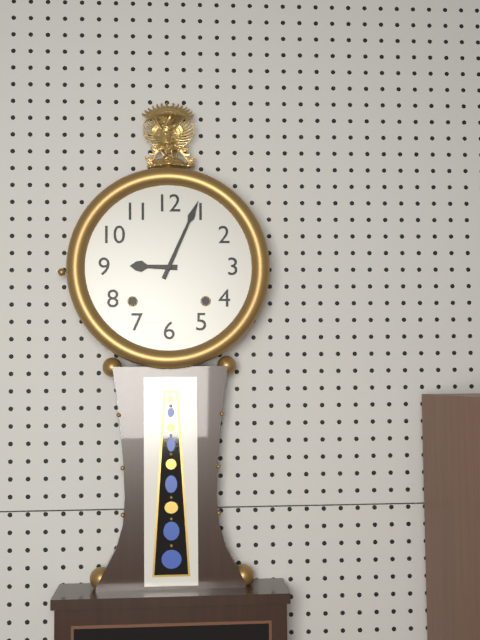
9.04
